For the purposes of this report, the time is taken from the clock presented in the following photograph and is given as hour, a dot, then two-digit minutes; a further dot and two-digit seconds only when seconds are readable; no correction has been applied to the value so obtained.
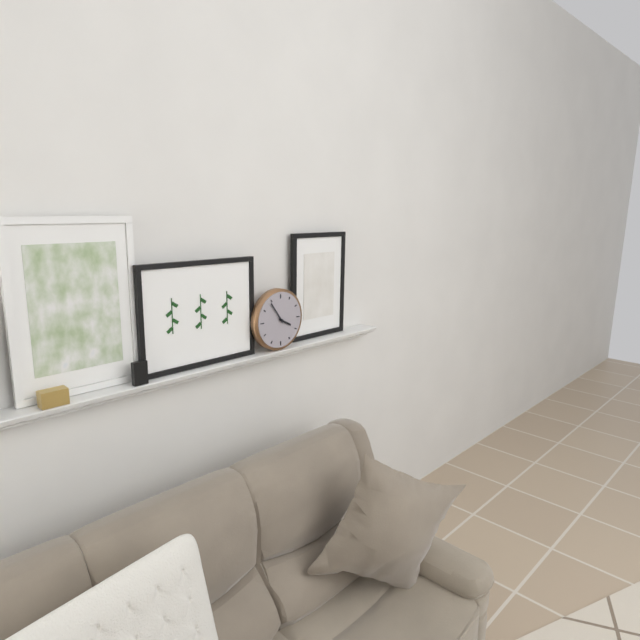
3.54
